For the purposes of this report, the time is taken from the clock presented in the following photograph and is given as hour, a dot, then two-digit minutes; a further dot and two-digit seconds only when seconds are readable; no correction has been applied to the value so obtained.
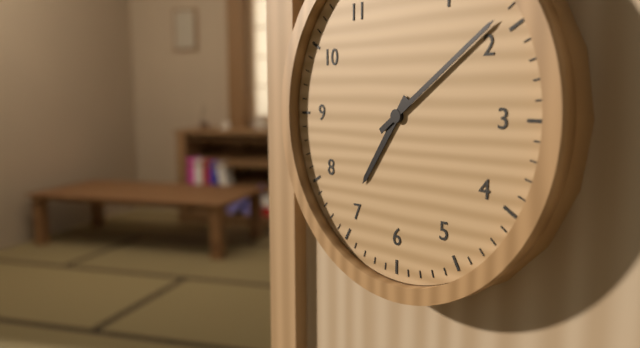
7.09
